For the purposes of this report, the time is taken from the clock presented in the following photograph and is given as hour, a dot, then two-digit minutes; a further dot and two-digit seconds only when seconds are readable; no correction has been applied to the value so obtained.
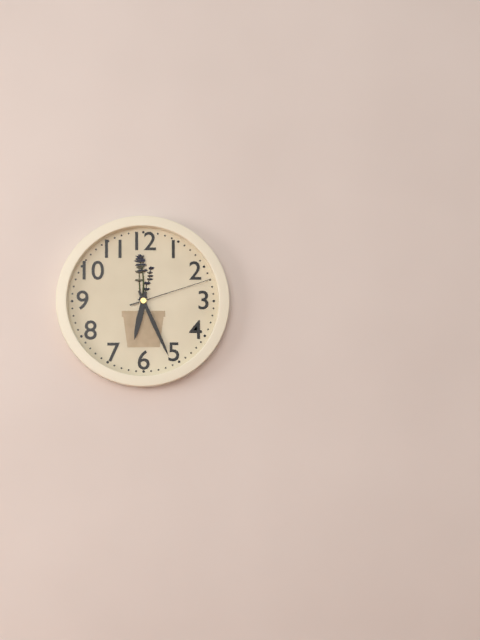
6.26.12
